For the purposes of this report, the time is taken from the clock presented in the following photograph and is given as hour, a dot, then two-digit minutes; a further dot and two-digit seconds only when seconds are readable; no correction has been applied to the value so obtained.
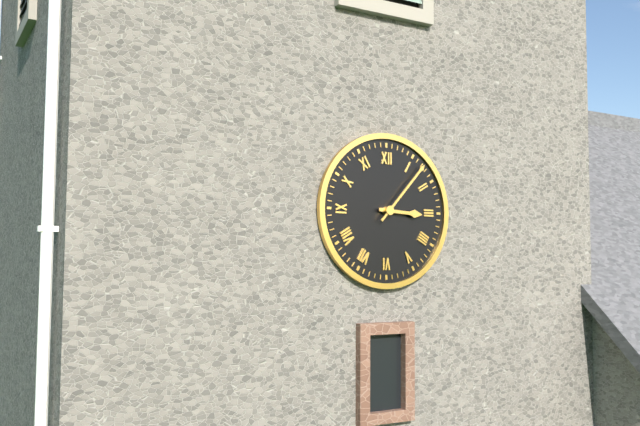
3.07
